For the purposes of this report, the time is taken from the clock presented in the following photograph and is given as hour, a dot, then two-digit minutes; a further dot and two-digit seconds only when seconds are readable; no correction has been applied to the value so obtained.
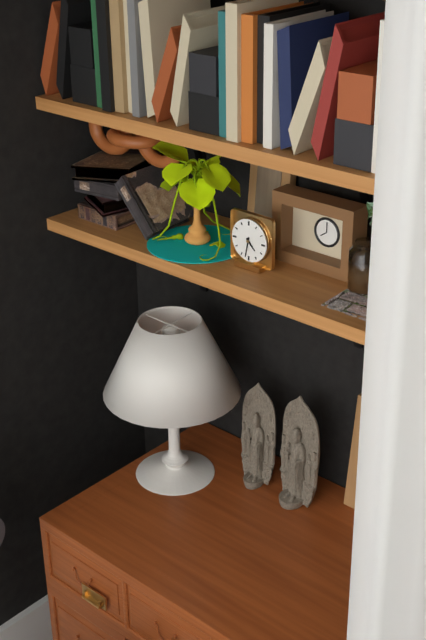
4.32
